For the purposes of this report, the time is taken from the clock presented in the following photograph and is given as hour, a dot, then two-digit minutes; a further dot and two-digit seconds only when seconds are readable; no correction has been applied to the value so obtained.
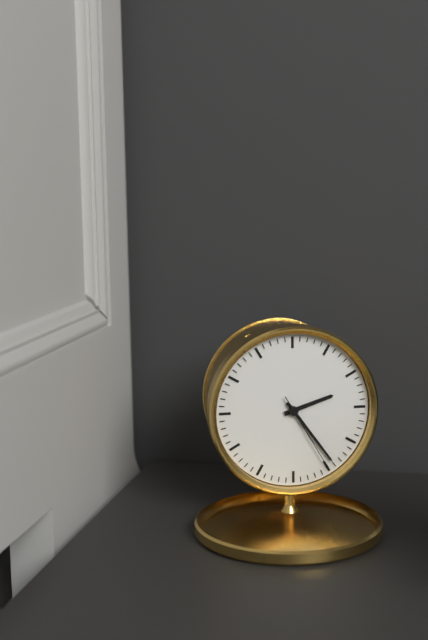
2.24.25
